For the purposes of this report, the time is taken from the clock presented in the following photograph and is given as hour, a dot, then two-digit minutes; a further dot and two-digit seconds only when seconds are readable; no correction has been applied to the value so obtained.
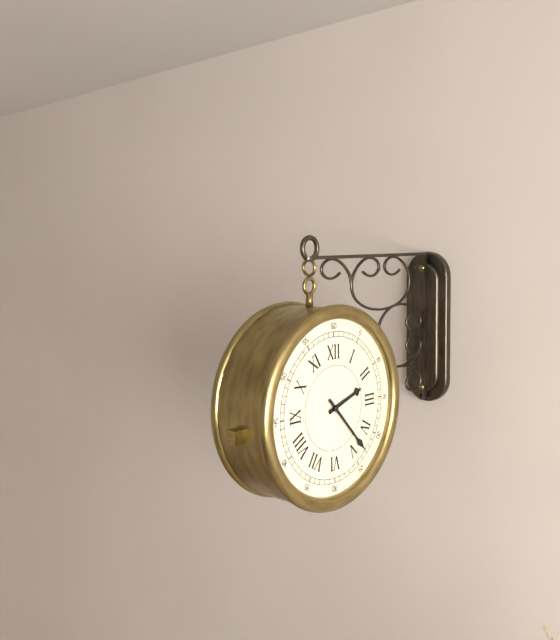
2.23
